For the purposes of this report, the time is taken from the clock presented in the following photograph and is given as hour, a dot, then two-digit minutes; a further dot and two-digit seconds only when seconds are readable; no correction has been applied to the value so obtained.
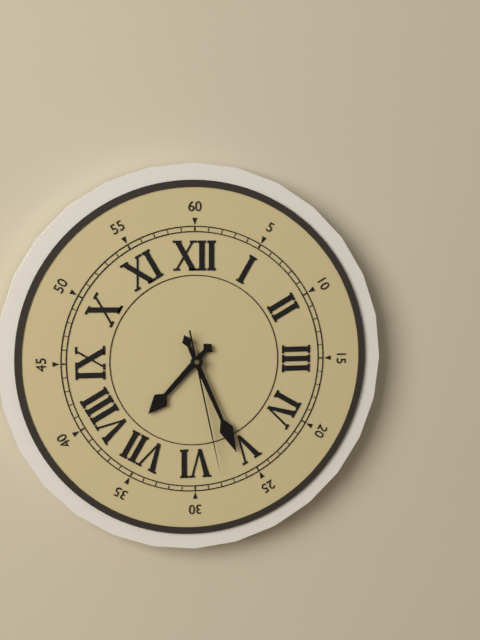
7.26.28
